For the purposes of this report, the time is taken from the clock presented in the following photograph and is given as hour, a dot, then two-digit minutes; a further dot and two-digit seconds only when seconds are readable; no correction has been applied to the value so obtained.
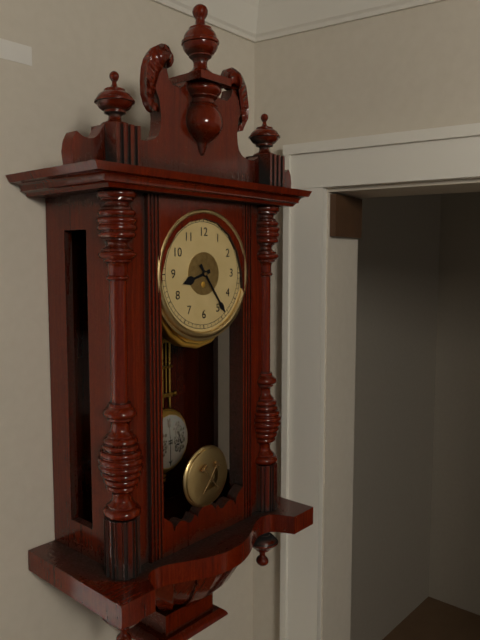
8.24
